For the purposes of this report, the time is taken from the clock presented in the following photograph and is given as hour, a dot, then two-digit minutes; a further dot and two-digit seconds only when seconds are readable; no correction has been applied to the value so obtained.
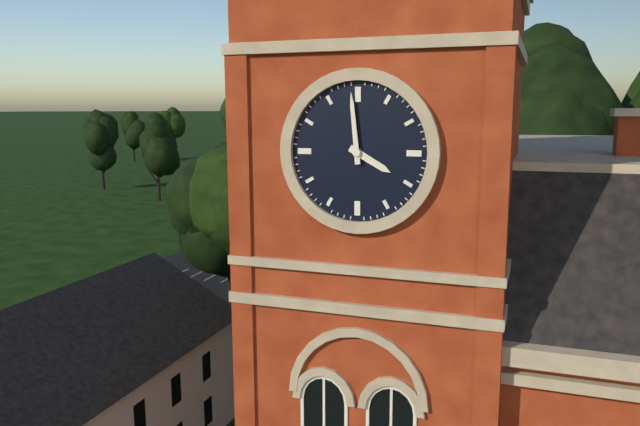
3.59
